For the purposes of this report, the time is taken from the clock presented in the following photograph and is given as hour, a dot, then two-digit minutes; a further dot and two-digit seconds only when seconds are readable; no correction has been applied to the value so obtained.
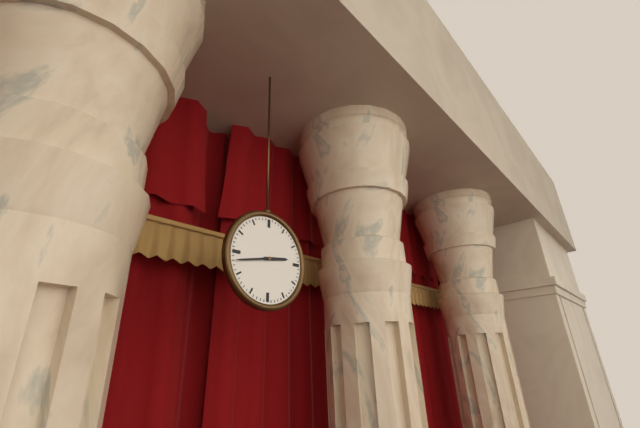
2.43
